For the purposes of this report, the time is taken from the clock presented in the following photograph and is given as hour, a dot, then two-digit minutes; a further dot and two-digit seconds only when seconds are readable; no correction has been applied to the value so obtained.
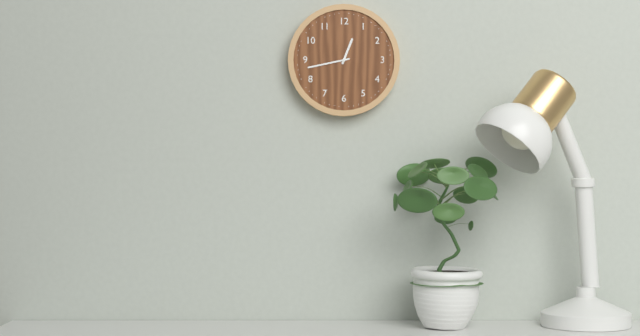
12.43
